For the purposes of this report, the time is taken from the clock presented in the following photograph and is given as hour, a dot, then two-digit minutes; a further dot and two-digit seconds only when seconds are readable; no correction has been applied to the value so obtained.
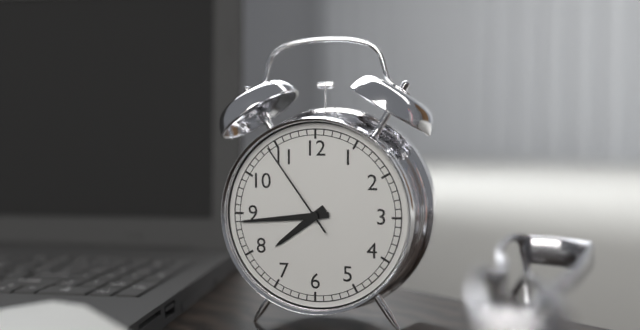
7.44.54
